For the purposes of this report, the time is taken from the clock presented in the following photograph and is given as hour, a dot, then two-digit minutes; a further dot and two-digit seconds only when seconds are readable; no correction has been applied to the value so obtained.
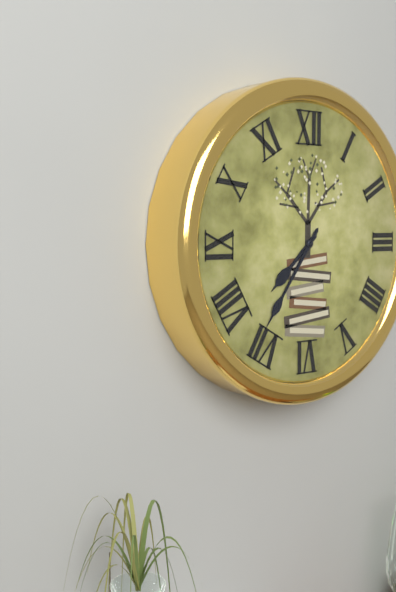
7.36
